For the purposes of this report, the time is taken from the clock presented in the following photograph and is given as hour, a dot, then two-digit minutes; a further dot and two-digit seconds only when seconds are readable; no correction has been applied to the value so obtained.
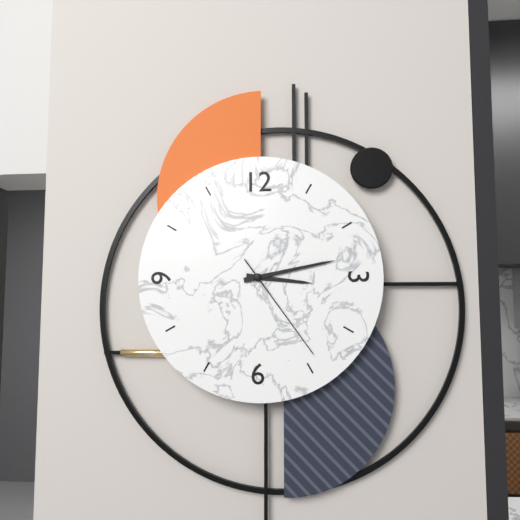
3.13.24
